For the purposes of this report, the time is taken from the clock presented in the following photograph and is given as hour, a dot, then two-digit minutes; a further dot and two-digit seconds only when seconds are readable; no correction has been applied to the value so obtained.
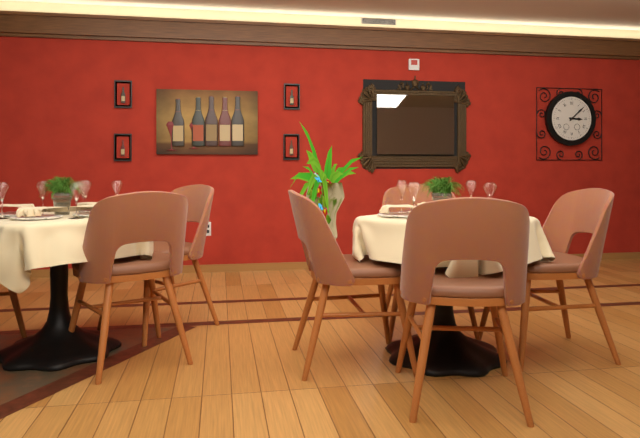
3.08
